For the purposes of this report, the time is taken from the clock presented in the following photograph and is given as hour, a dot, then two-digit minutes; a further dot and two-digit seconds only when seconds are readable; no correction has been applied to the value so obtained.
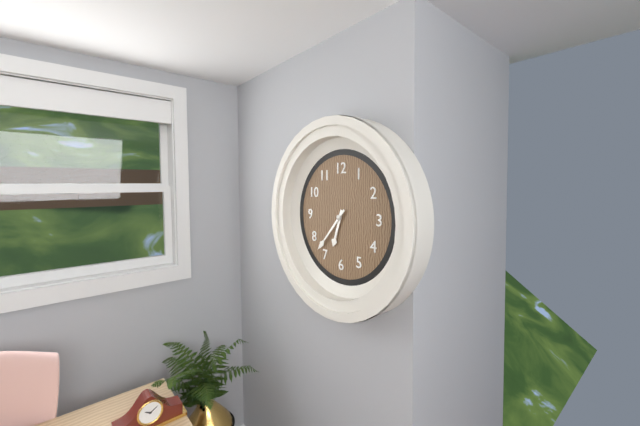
6.37
